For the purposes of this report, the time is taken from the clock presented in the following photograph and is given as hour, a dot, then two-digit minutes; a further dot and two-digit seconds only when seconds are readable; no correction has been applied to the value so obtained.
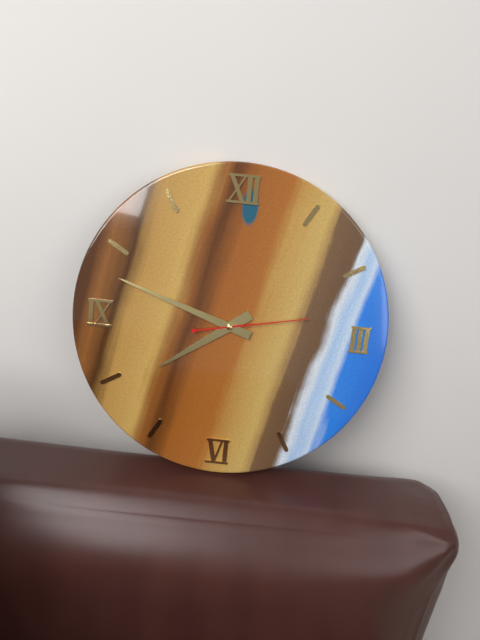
7.48.13
